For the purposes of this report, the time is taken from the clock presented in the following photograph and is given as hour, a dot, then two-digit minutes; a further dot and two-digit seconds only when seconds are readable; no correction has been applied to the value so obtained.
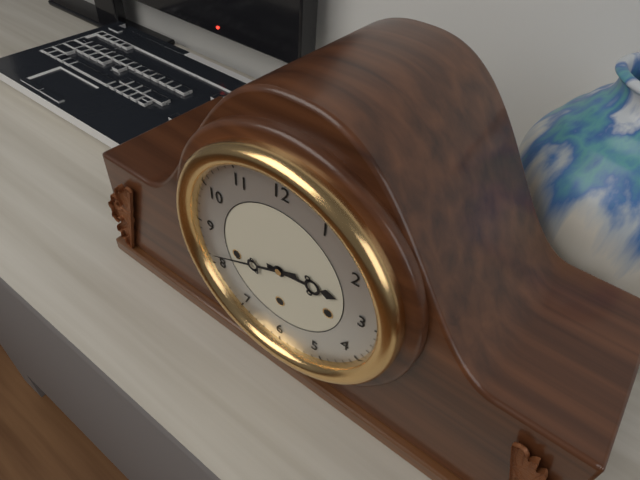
2.41
